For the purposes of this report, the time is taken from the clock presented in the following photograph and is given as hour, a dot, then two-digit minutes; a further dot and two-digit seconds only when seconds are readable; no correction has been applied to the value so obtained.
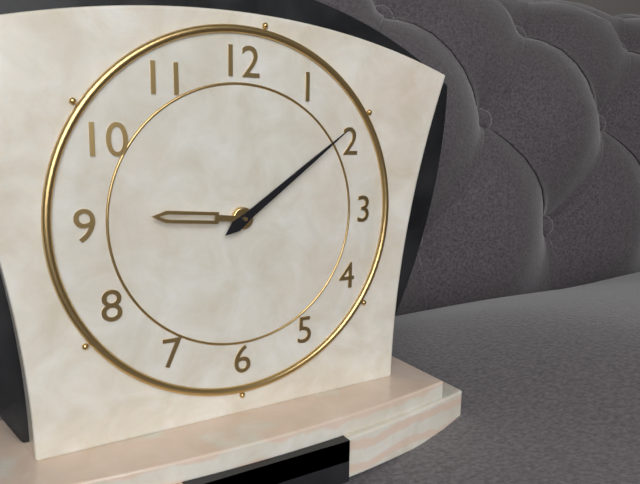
9.09
